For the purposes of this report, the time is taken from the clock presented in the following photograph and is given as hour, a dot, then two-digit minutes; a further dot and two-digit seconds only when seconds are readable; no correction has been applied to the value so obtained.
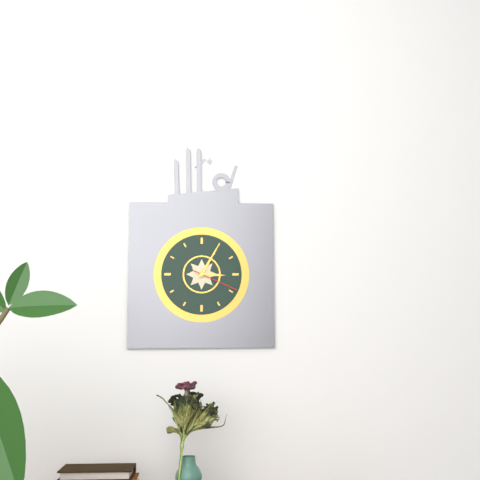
3.05
